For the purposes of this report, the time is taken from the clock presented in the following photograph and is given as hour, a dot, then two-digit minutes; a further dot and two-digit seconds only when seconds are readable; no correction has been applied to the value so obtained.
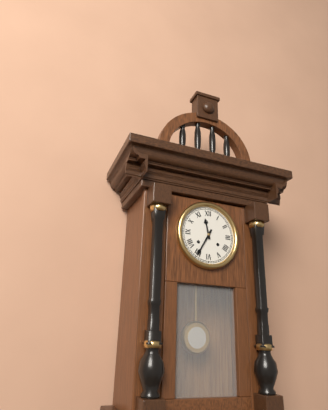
11.35
